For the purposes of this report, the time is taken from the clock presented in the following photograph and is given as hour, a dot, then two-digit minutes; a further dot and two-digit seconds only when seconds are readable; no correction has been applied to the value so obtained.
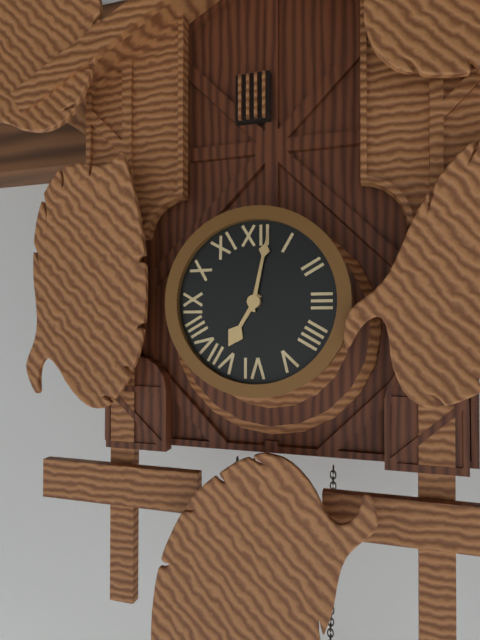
7.02
